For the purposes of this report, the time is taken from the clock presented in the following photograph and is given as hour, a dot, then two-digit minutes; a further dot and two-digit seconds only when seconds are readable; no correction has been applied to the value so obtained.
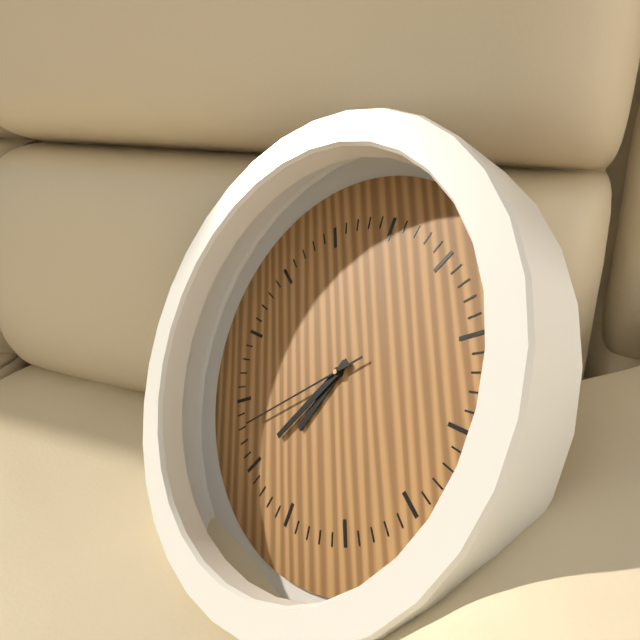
7.40.43
